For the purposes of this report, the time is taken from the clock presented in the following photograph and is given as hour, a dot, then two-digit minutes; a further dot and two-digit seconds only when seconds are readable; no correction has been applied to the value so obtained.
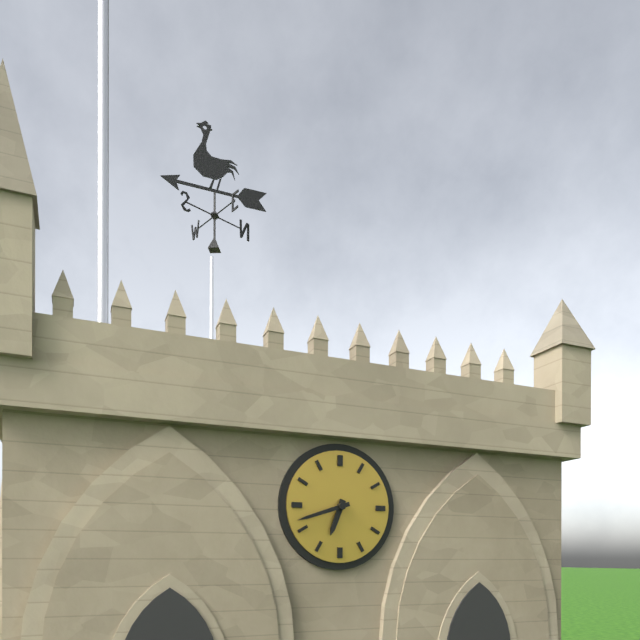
6.42
